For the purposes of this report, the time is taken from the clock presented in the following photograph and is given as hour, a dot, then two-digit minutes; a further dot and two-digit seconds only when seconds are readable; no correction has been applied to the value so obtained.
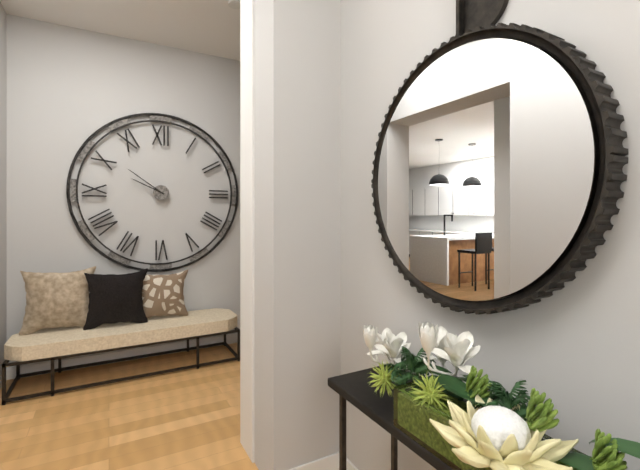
9.51
